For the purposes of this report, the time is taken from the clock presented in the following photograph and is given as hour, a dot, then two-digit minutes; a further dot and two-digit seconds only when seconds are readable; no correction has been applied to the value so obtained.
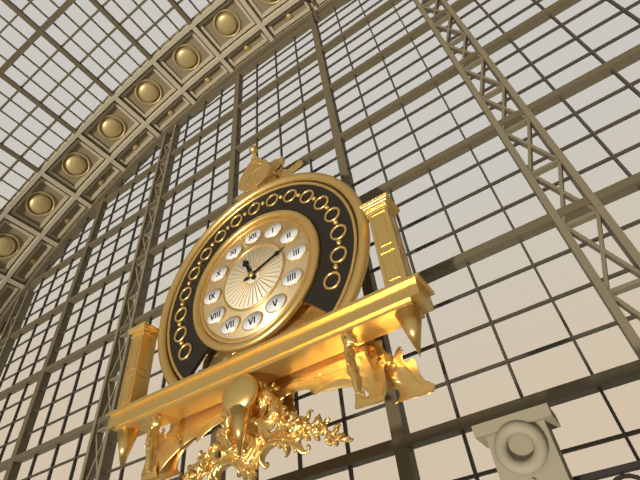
11.12
